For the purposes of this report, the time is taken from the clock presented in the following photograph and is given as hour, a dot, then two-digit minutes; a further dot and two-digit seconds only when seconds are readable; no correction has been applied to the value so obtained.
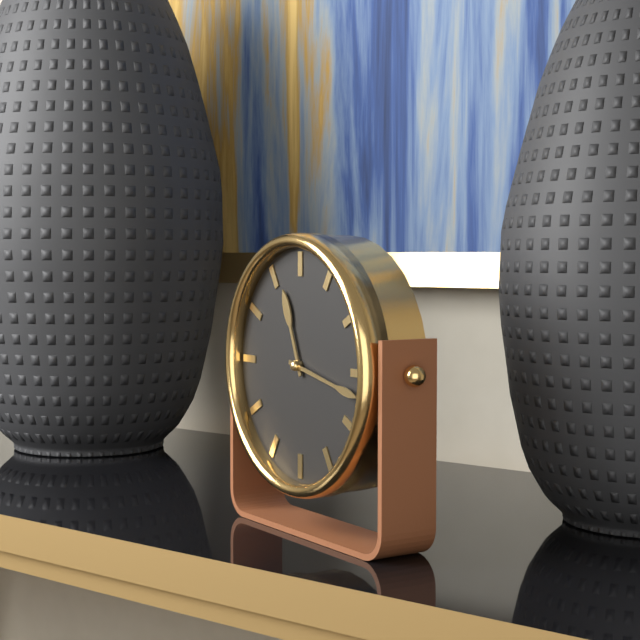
11.17
